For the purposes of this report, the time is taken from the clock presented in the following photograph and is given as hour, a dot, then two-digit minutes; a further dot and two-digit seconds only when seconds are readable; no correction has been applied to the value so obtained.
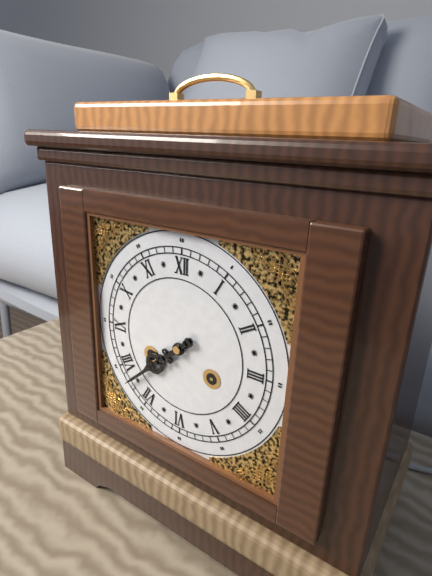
7.38
